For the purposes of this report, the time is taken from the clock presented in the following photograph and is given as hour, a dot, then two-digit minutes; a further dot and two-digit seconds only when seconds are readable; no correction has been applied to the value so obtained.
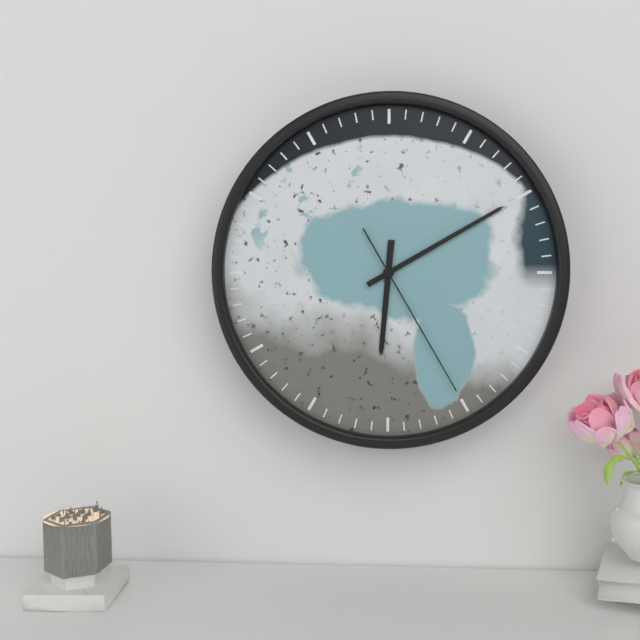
6.10.25
